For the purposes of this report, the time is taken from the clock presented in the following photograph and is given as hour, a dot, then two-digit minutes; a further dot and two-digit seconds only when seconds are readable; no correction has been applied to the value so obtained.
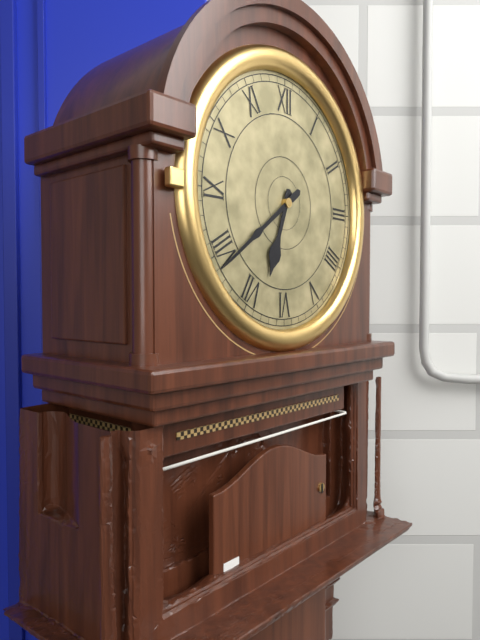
6.39
